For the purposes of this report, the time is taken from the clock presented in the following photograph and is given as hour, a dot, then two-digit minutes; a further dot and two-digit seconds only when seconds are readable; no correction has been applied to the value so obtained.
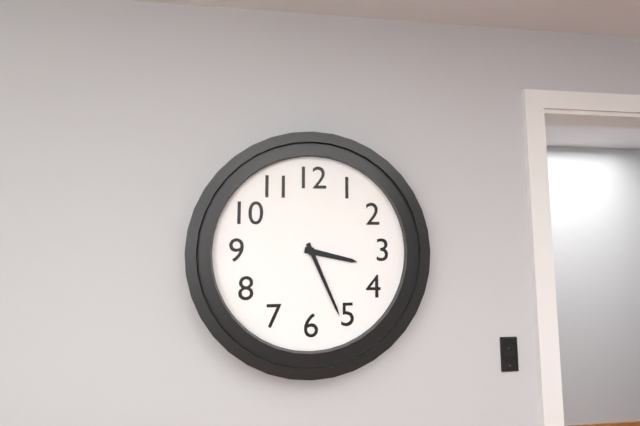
3.26
